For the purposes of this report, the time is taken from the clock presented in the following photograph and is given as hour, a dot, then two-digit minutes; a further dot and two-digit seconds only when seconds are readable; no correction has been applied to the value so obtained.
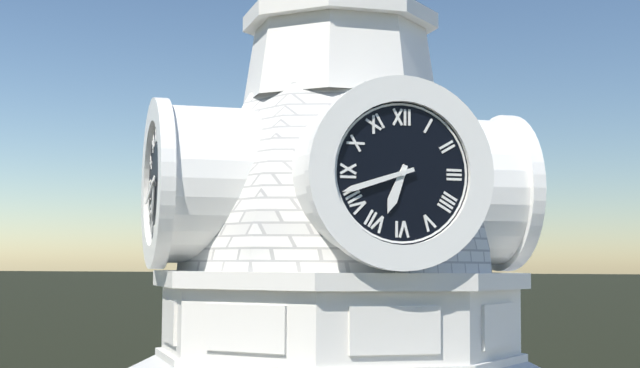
6.42
